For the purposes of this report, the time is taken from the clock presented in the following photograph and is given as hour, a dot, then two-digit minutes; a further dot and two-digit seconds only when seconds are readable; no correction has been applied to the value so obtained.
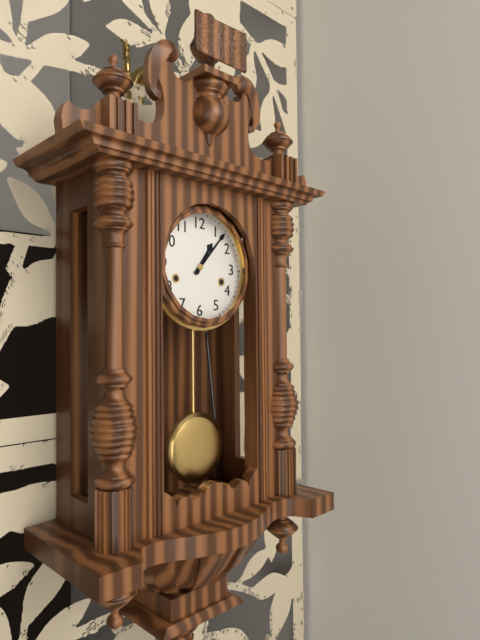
1.07
